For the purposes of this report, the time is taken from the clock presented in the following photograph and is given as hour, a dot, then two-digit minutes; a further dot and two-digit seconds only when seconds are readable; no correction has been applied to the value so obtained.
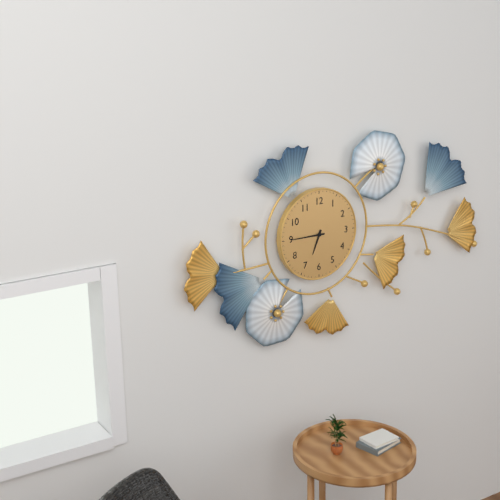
6.45
